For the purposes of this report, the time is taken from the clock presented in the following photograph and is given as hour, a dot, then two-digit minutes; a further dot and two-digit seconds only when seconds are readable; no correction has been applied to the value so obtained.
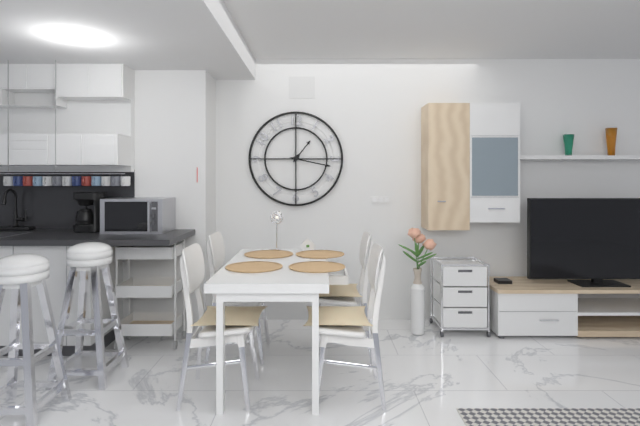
1.17
